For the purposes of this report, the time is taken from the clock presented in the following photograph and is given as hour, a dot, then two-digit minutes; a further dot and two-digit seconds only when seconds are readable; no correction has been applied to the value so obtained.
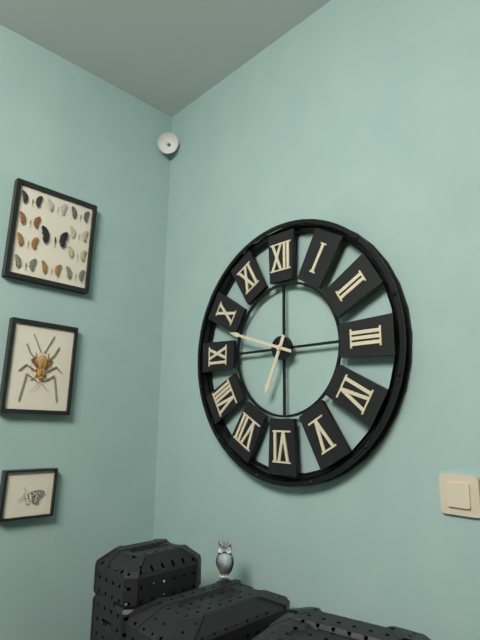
6.48
